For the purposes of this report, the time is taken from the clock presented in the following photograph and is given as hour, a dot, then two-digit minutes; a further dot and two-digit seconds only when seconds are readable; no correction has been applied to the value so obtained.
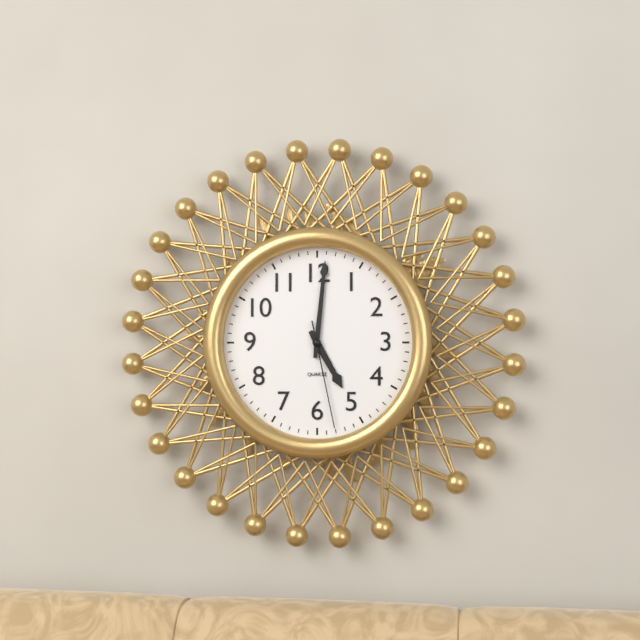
5.01.28
